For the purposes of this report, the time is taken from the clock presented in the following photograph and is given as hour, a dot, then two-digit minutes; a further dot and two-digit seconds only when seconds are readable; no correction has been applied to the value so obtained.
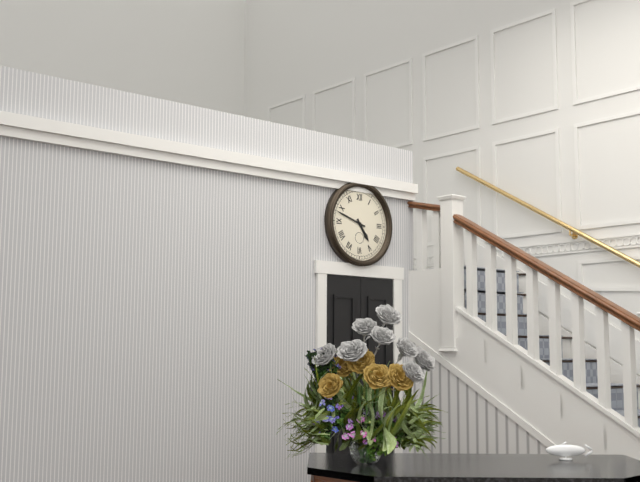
4.48
